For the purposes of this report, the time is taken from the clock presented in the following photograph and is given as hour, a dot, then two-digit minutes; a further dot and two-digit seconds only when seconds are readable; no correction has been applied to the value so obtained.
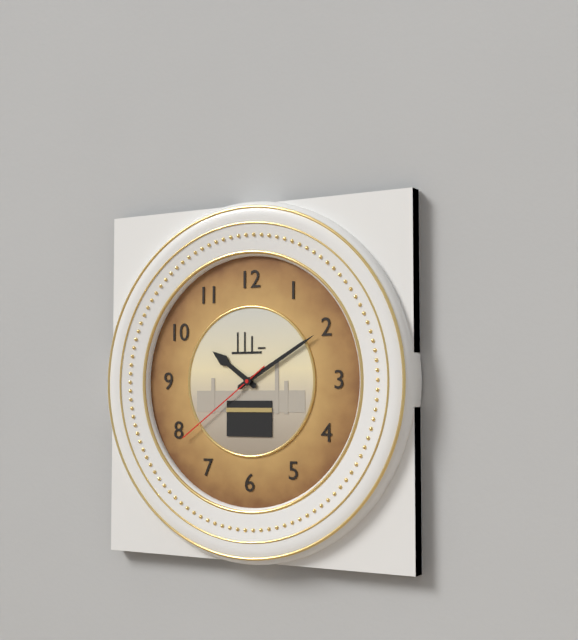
10.10.39
